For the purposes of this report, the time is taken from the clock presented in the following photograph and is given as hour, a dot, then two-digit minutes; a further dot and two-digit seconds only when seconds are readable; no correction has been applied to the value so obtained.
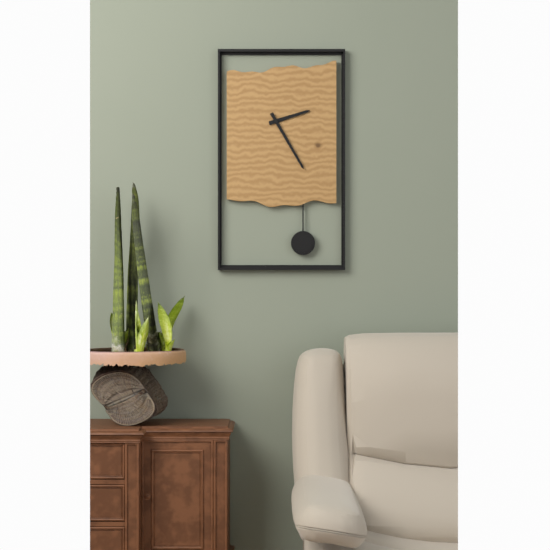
2.25
